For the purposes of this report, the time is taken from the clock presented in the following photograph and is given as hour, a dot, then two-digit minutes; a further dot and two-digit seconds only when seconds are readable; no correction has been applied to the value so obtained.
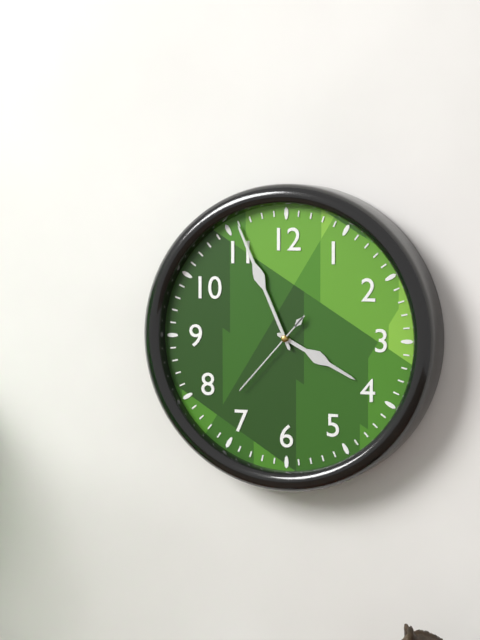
3.56.37
